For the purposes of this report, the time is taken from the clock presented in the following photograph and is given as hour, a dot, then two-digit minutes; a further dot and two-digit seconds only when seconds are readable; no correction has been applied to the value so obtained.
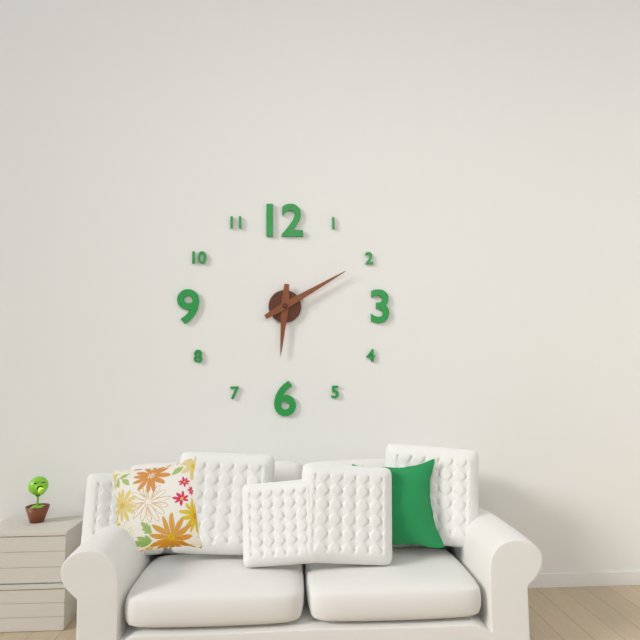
6.10
